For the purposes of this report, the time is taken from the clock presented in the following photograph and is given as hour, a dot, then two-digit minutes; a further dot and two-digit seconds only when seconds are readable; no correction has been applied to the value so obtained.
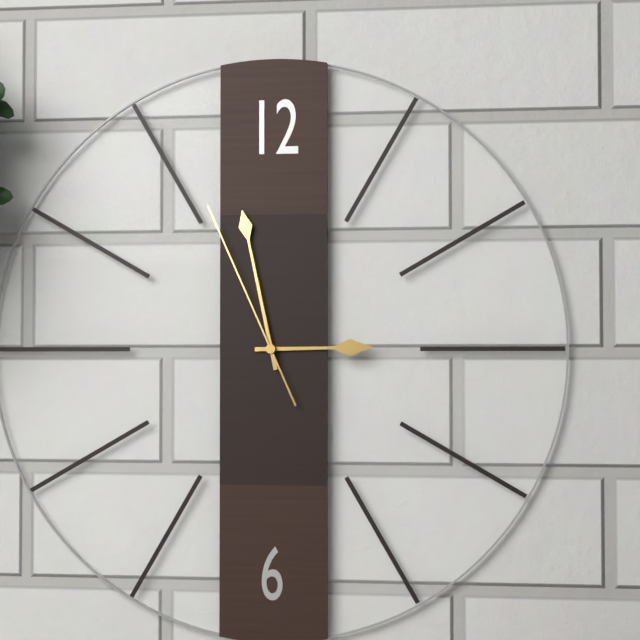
2.58.56
